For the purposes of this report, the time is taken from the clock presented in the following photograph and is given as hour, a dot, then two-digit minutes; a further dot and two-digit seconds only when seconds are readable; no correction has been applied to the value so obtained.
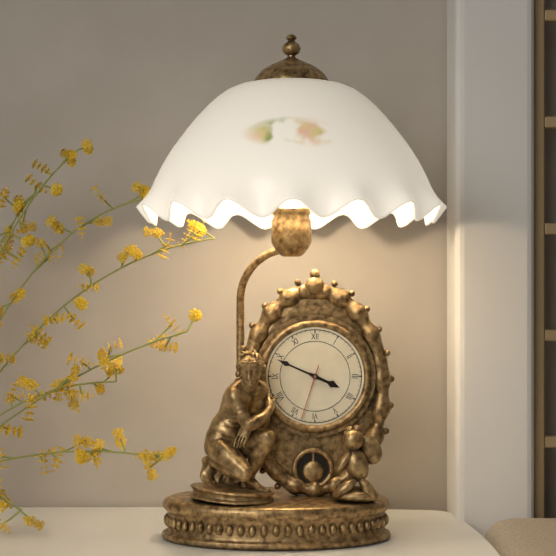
3.49.33
